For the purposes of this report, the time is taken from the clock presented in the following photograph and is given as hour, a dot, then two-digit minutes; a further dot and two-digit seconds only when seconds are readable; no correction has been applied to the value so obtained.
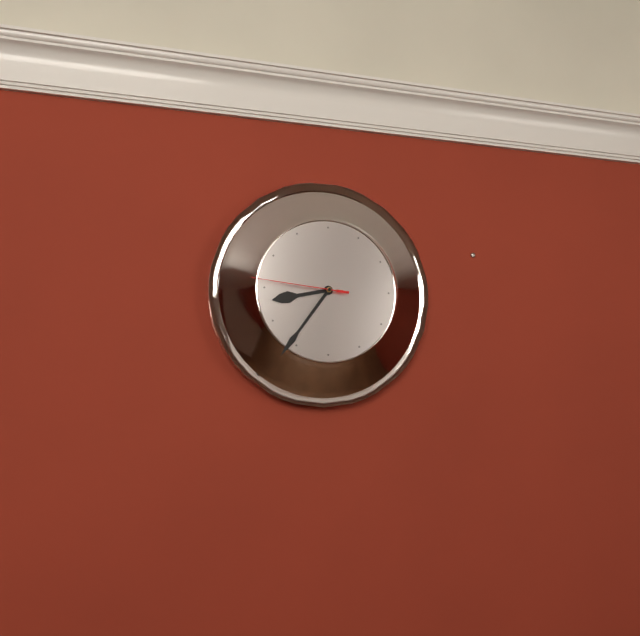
8.36.46
